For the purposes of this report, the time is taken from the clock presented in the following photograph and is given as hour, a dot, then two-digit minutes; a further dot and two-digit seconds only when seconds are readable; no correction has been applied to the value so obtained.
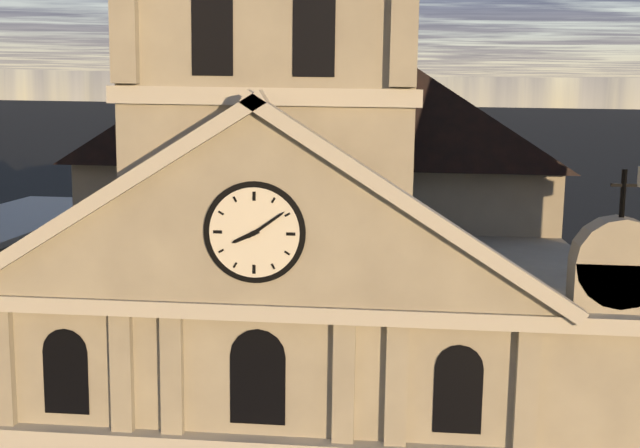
8.09
